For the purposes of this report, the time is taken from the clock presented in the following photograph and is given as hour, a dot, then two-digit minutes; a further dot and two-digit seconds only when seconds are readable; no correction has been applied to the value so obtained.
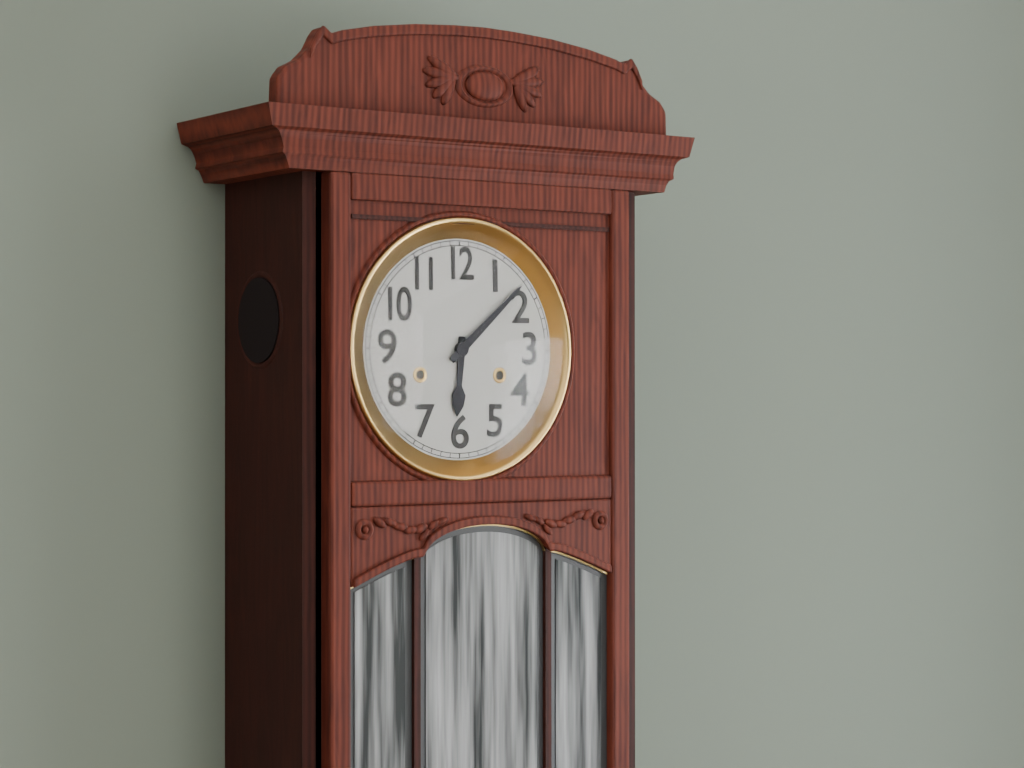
6.08
